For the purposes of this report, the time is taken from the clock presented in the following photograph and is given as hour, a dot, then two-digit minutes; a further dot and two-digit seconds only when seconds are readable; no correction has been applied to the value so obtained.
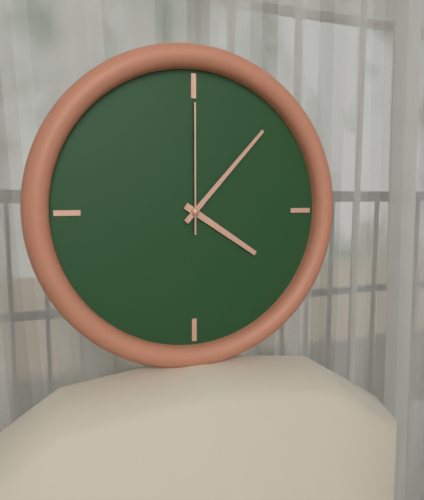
4.07.00
